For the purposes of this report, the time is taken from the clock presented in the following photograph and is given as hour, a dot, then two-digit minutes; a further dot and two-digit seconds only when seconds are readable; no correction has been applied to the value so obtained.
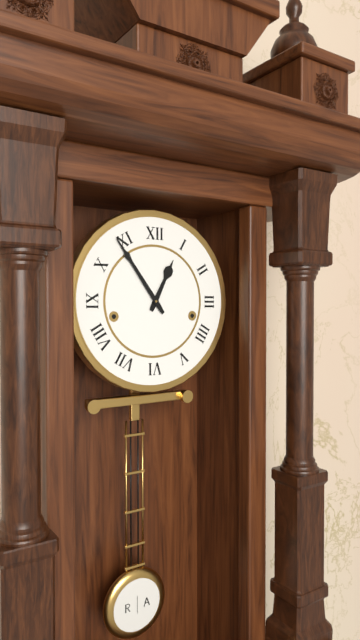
12.54
